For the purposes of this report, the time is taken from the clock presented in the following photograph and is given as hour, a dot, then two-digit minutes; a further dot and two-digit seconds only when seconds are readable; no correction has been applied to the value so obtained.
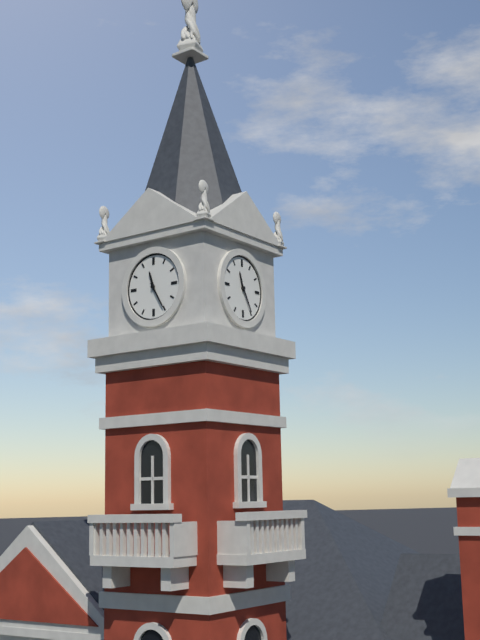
11.25
